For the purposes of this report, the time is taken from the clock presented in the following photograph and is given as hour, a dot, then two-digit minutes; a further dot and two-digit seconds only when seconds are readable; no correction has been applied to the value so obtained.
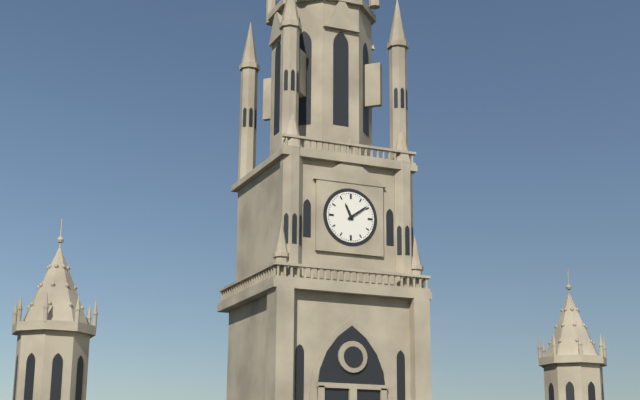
11.09
